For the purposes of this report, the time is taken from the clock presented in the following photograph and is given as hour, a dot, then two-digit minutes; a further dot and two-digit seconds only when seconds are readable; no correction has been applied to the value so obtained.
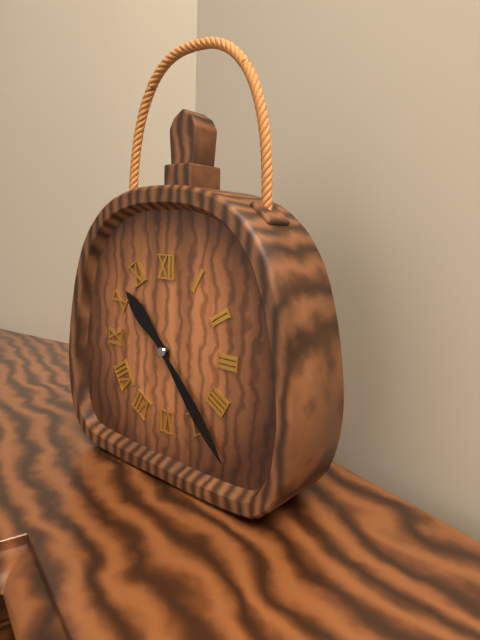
10.23
